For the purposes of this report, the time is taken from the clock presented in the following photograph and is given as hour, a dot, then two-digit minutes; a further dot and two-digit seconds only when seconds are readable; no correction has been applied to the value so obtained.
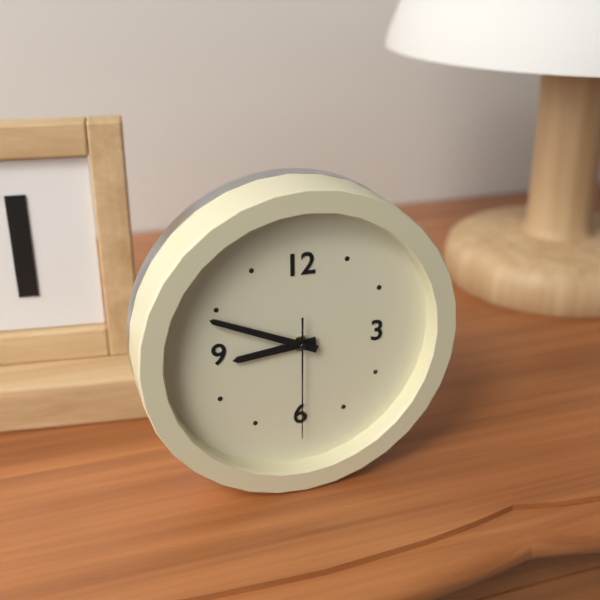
8.49.30
